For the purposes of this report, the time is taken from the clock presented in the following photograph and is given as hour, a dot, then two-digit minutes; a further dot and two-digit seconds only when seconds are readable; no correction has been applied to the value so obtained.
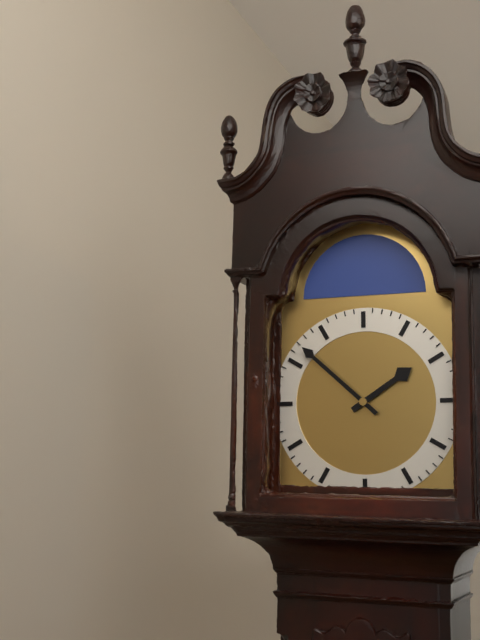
1.52
